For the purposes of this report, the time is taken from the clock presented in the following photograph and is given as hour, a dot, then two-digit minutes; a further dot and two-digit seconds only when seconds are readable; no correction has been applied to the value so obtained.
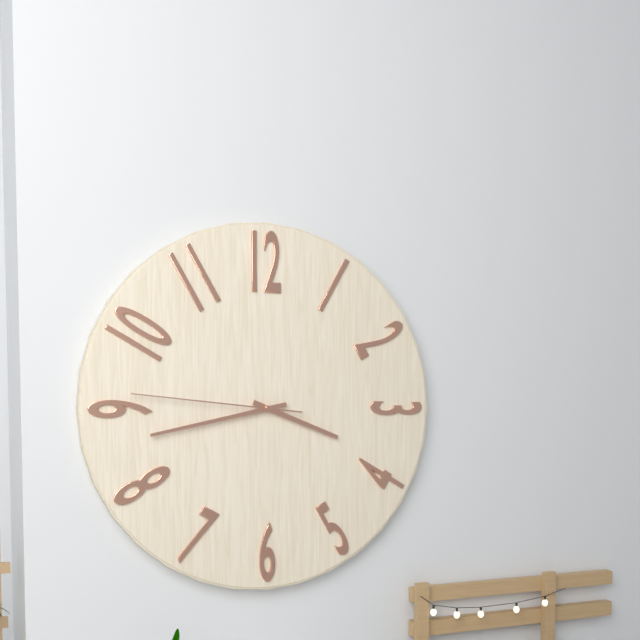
3.43.46
